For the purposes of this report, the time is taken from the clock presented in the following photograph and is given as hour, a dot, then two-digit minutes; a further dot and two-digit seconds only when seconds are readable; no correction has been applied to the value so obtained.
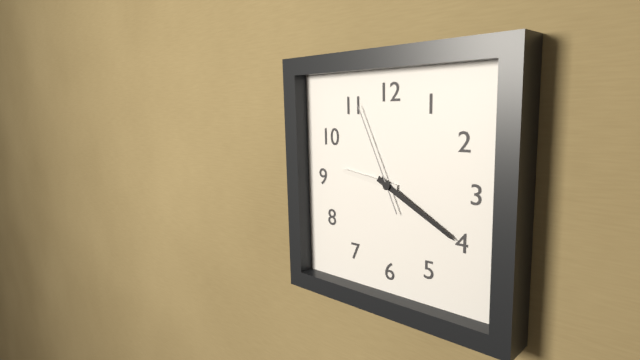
9.20.56
